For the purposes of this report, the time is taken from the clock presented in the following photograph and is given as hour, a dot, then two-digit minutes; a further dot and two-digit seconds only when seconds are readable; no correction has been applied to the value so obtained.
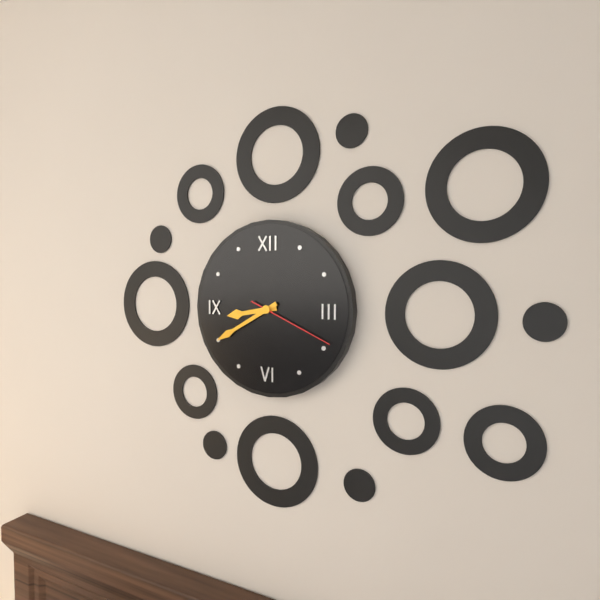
8.40.19
